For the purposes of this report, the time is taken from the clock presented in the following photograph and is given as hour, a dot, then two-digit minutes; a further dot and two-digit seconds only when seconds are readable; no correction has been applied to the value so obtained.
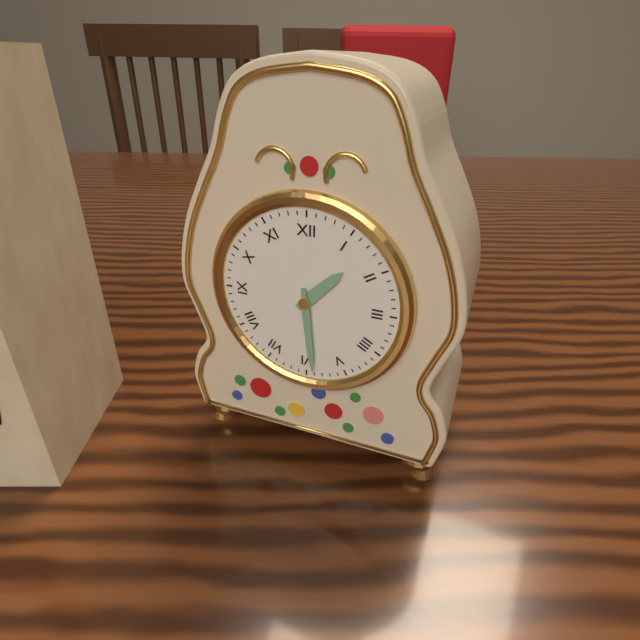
1.29
